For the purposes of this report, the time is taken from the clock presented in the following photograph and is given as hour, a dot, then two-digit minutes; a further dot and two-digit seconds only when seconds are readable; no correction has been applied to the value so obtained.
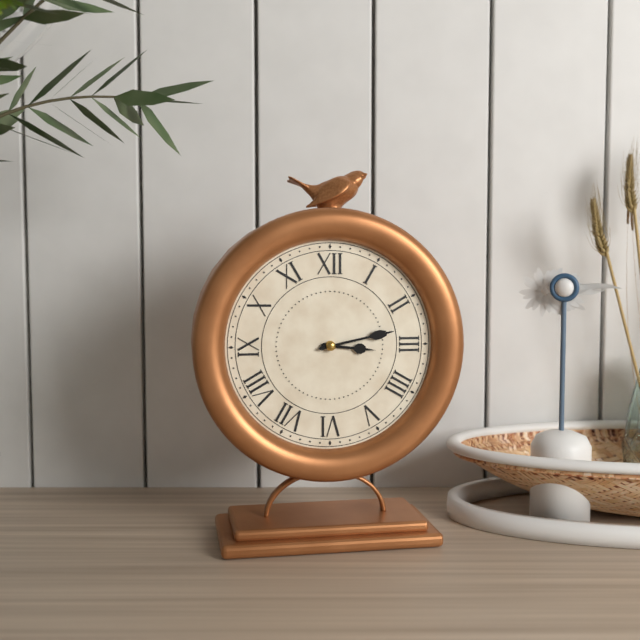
3.13
